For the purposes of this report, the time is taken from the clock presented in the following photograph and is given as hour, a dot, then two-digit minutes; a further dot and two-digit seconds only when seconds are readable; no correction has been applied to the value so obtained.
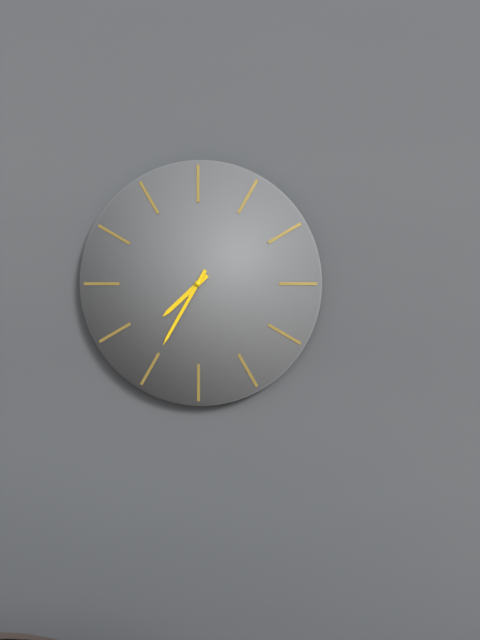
7.35
